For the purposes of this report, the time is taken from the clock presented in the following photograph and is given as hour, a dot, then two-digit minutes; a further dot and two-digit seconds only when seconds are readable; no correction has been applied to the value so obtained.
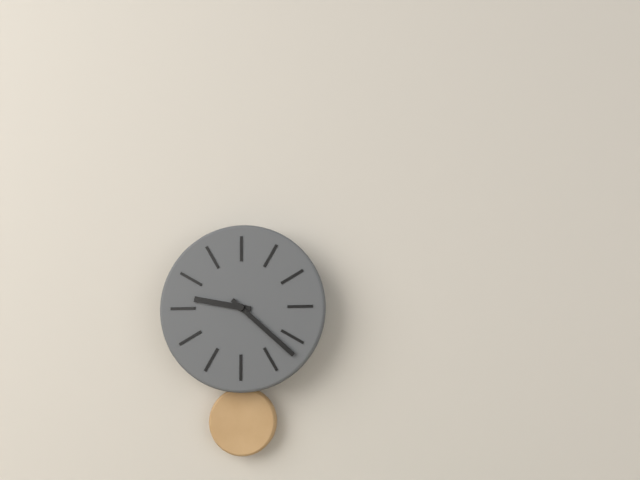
9.22
